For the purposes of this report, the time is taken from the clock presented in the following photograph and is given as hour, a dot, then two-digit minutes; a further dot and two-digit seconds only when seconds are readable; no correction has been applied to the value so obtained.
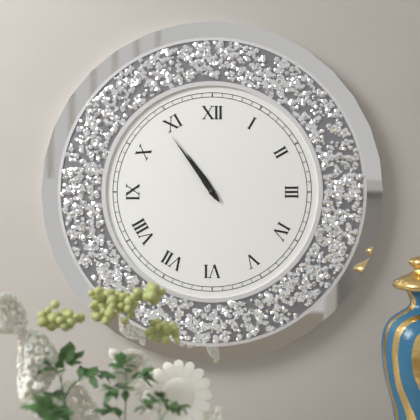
10.54
